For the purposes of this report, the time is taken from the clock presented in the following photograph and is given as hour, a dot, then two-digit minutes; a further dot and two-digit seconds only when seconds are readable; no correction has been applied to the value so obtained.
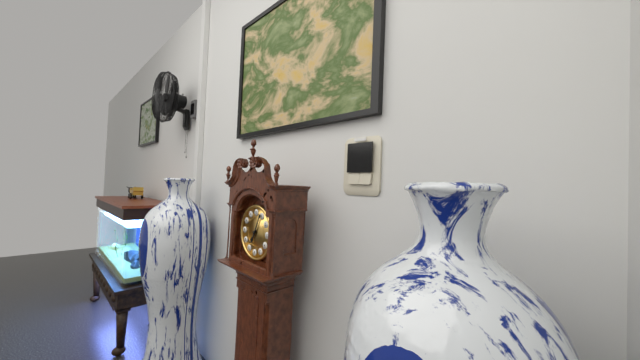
7.04
